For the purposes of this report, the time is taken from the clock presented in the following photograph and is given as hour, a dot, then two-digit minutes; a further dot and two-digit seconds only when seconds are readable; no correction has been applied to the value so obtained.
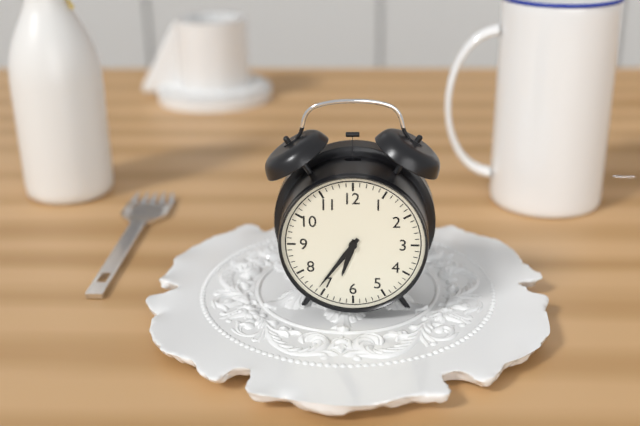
6.36
